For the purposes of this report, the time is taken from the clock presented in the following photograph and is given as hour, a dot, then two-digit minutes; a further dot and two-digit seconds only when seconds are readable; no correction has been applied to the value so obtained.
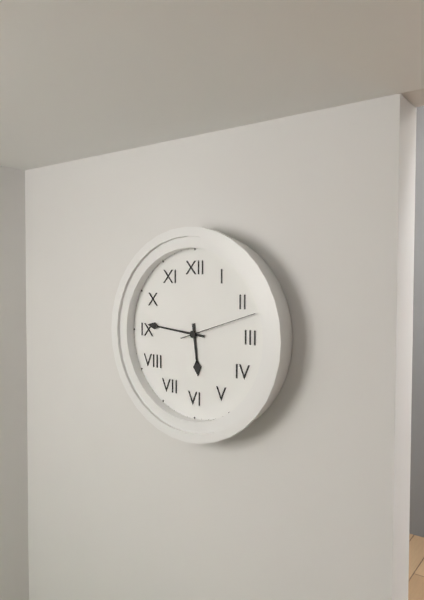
5.46.12
